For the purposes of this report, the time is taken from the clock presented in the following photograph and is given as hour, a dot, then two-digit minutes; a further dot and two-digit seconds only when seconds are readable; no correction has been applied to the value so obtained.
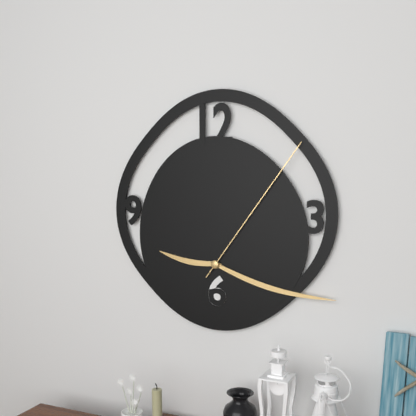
9.17.06
